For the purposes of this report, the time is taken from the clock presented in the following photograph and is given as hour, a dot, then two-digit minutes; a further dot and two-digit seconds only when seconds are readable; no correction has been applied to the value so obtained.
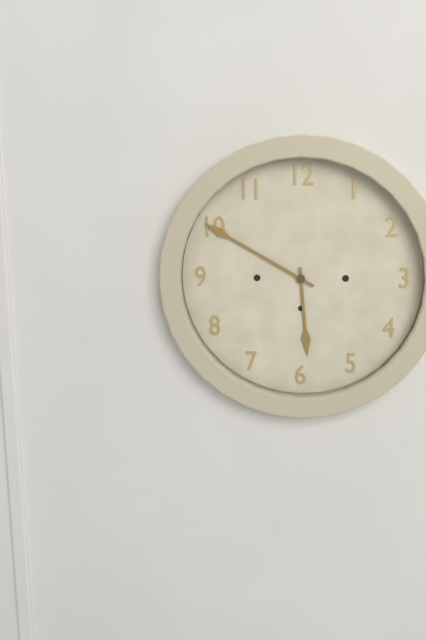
5.50
